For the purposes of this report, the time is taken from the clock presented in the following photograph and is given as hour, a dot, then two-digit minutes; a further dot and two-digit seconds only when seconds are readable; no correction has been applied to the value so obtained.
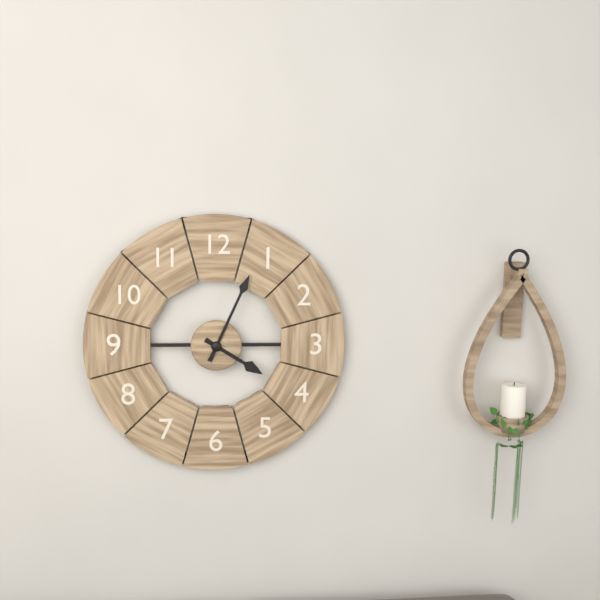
4.04
